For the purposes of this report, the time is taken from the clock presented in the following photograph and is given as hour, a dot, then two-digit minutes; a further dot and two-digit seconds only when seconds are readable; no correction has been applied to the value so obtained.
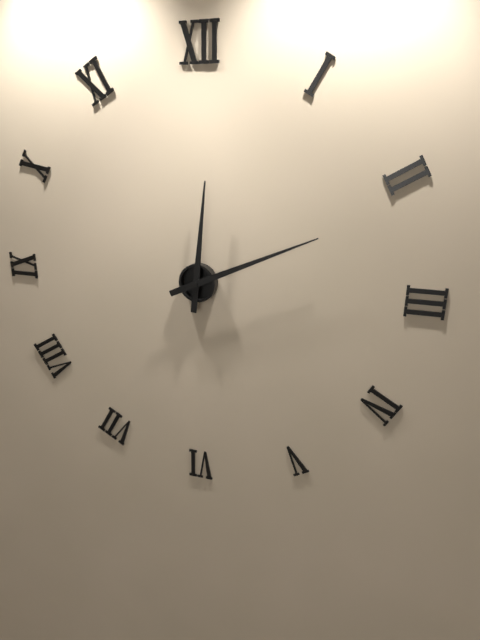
12.11
